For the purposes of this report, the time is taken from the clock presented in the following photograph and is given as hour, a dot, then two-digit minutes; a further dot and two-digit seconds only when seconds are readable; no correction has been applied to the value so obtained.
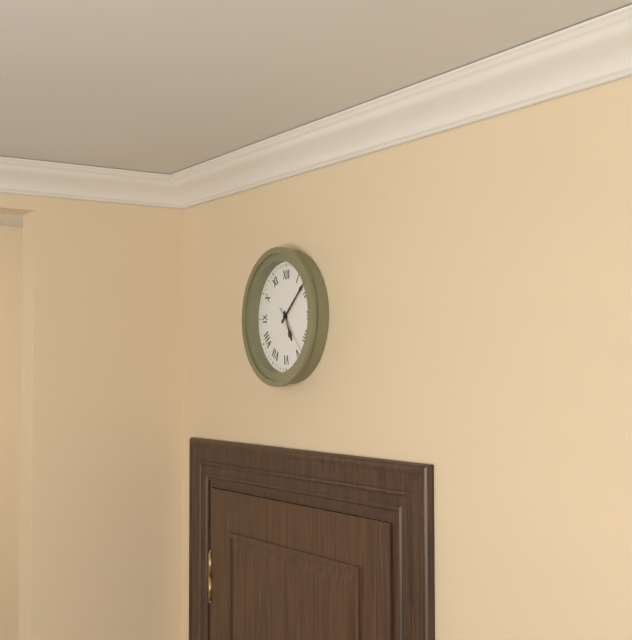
5.08
